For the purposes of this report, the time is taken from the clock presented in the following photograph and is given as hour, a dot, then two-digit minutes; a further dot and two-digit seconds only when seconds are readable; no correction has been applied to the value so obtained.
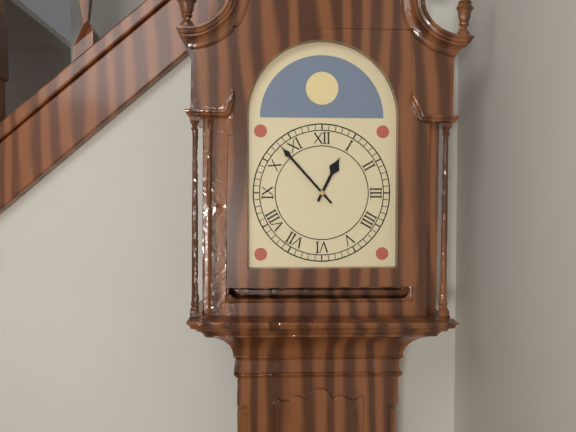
12.53
